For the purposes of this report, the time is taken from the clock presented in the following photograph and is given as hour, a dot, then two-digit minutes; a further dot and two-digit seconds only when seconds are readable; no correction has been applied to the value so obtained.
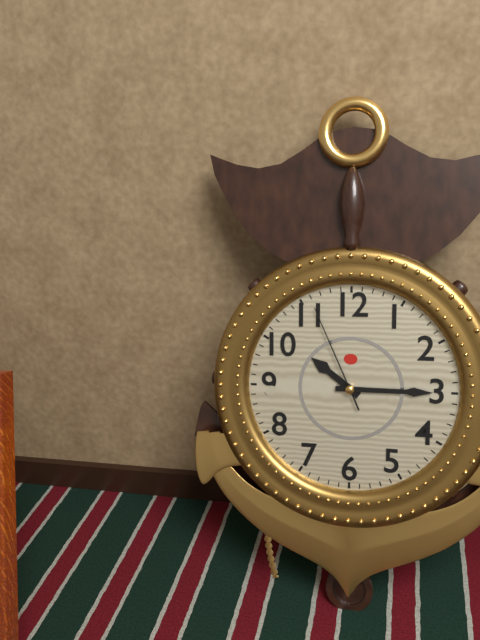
10.15.56
